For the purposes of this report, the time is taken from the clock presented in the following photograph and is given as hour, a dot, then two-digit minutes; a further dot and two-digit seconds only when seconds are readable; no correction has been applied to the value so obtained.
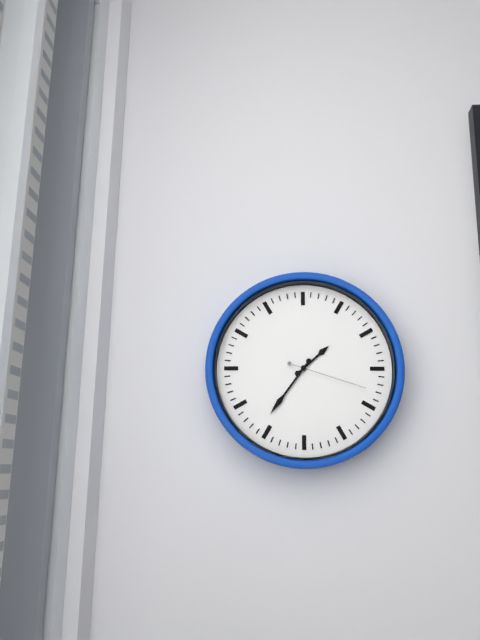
1.36.18
